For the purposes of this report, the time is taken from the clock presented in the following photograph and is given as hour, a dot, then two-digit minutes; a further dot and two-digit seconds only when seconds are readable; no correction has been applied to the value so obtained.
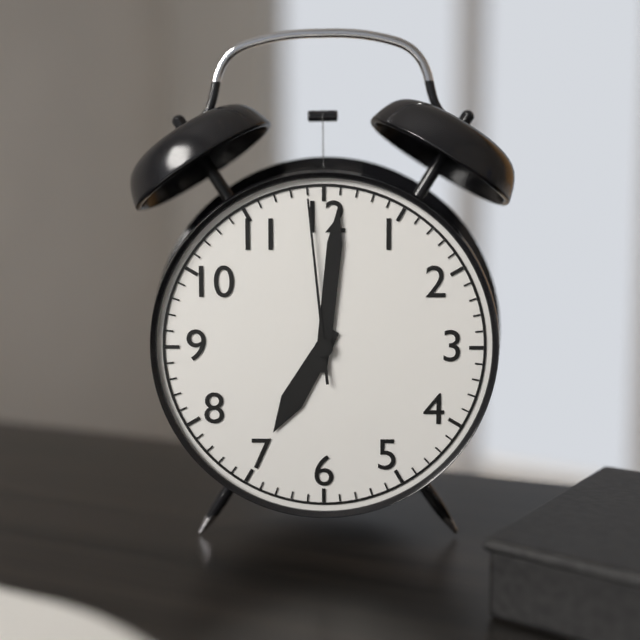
7.01.59
